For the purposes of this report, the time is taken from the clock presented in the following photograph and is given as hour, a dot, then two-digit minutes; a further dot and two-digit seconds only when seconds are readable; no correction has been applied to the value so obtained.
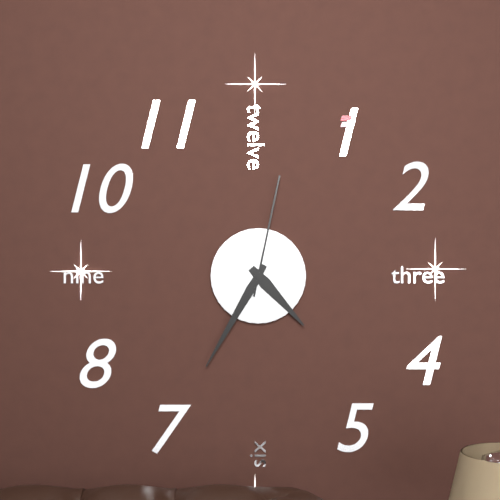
4.35.02
